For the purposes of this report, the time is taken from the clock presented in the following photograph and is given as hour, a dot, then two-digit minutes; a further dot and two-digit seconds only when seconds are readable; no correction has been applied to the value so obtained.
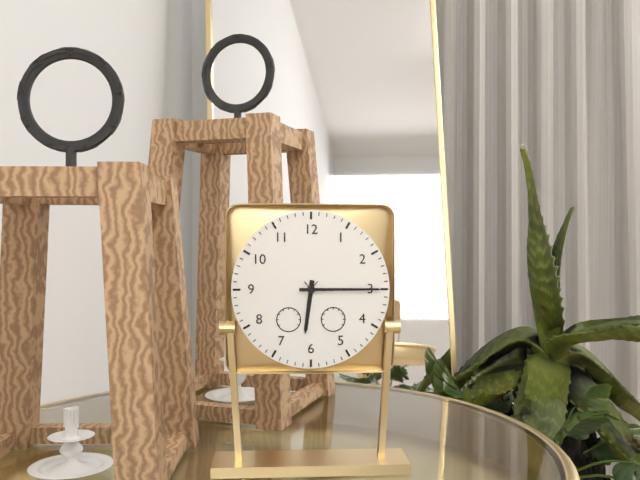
6.15
